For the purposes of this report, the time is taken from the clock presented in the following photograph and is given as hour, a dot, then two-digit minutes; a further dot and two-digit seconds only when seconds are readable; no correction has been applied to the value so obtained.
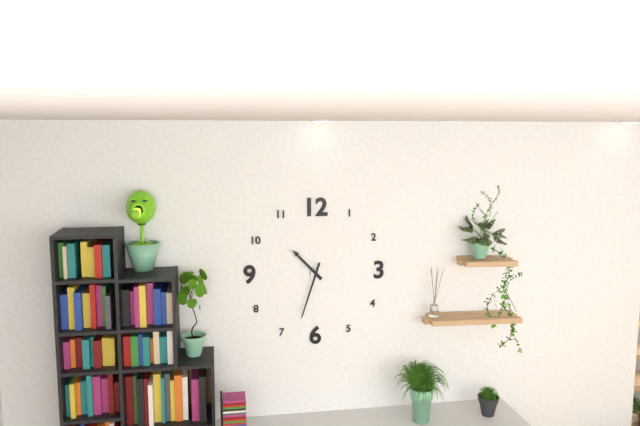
10.33
